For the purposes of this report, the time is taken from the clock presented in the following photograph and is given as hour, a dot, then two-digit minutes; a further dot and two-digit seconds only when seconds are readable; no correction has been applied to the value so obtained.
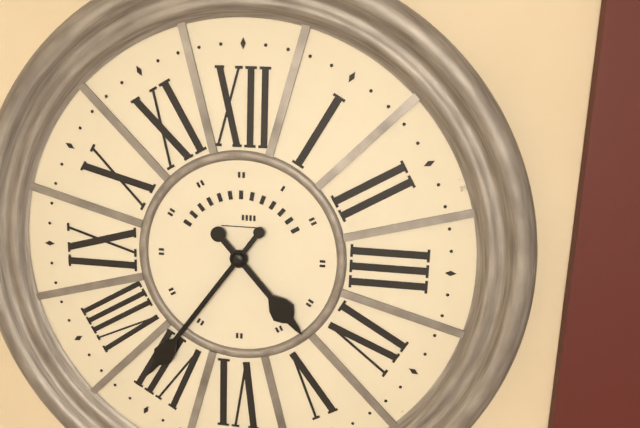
4.36
